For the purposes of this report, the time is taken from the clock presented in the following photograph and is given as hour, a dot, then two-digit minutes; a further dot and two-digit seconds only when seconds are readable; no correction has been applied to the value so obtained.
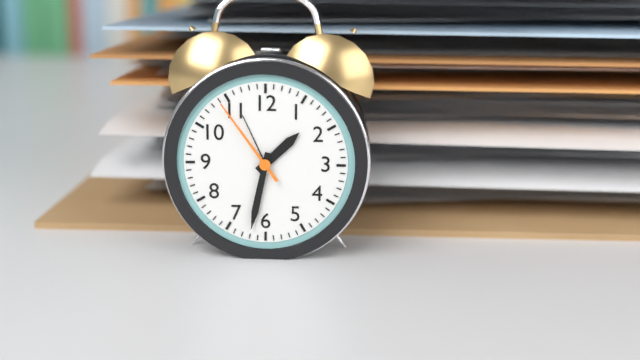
1.32.54
